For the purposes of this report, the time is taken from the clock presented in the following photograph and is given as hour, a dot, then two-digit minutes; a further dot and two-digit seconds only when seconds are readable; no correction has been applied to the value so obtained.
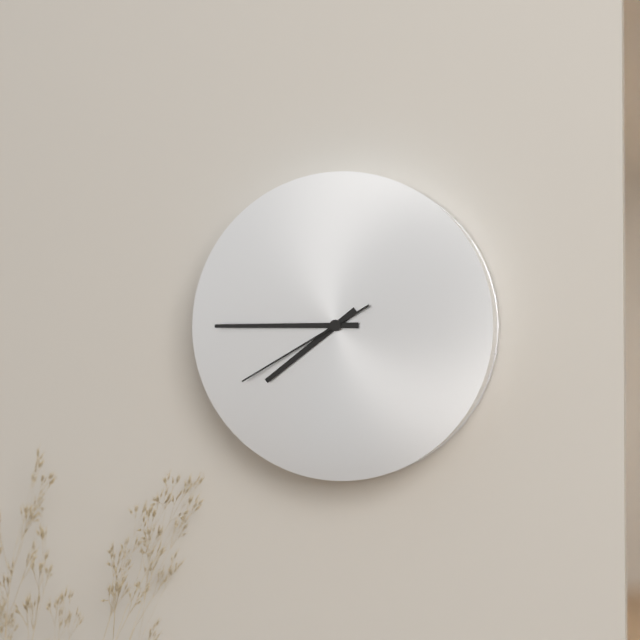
7.45.40
